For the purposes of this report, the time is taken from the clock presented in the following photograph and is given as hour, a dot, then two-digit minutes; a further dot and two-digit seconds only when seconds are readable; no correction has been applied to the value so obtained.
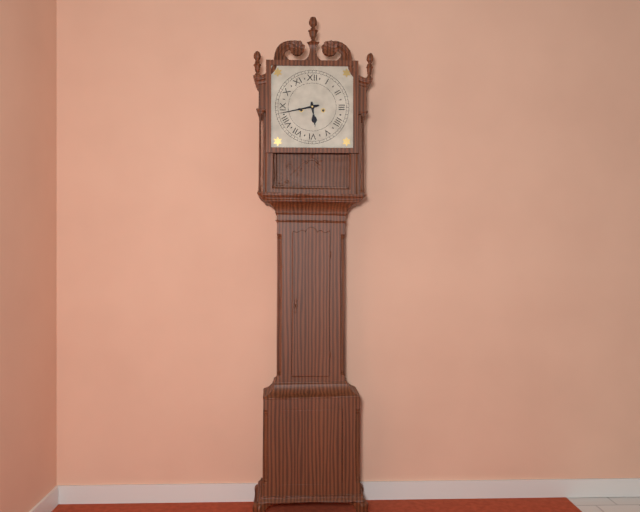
5.43
